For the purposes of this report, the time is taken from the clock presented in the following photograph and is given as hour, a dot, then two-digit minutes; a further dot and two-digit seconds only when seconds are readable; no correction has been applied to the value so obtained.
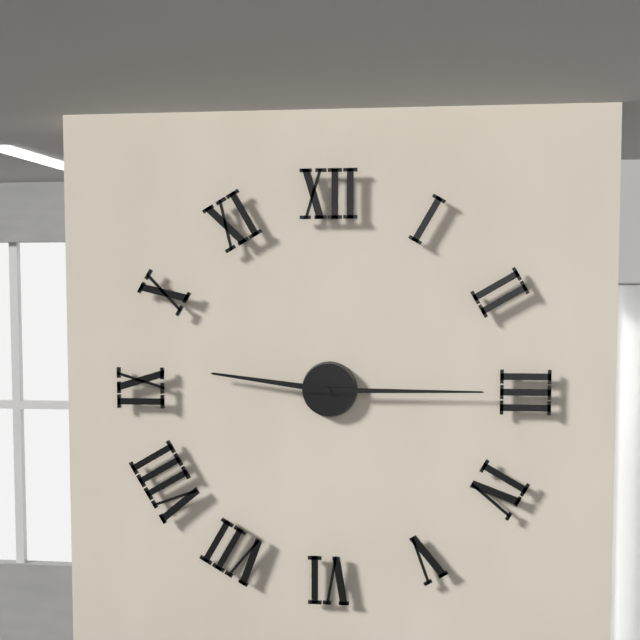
9.15
